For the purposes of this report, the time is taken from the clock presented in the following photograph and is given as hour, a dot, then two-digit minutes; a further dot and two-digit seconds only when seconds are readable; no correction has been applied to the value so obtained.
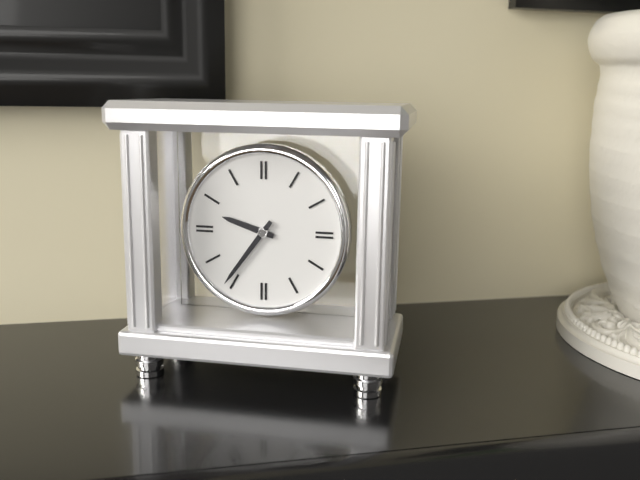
9.36
